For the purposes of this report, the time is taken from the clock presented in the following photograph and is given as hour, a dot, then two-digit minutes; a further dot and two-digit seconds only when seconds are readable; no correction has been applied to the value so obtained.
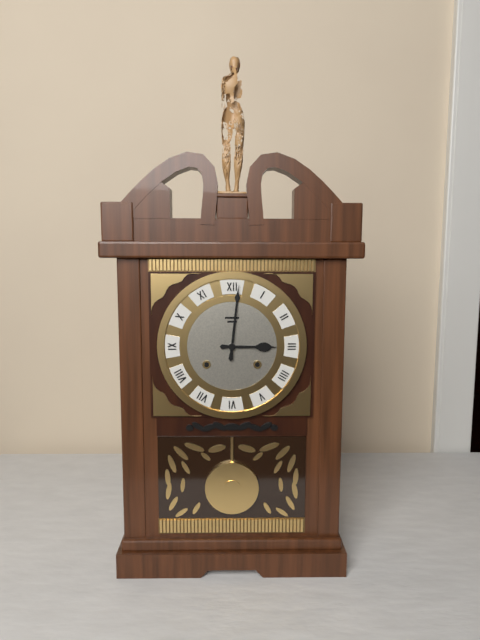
3.01
